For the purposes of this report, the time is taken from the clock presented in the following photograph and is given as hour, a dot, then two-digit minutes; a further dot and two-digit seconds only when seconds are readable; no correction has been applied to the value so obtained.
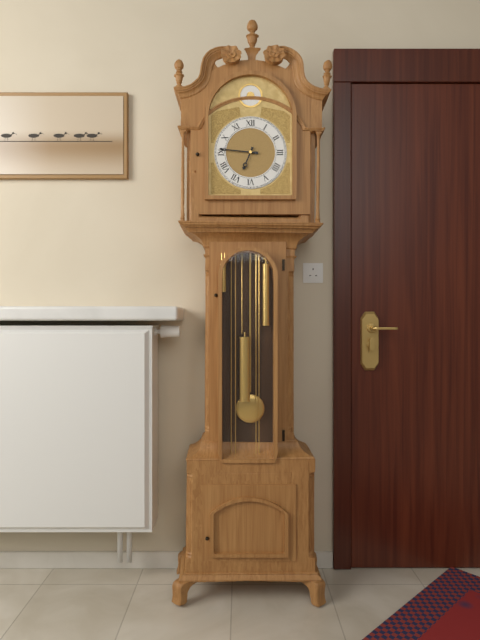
6.46
